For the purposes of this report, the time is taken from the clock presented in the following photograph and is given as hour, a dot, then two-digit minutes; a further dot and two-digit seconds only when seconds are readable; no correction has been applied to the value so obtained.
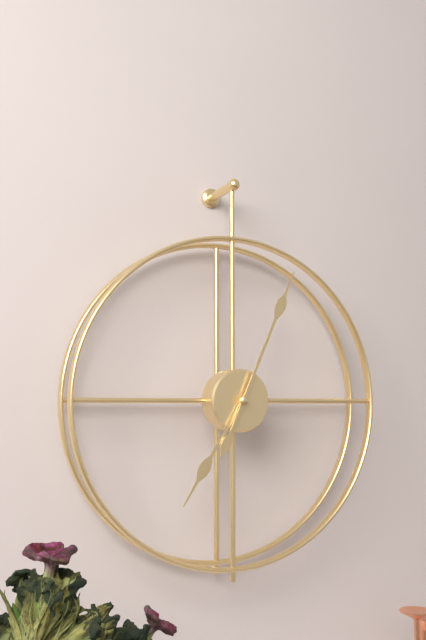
7.04
